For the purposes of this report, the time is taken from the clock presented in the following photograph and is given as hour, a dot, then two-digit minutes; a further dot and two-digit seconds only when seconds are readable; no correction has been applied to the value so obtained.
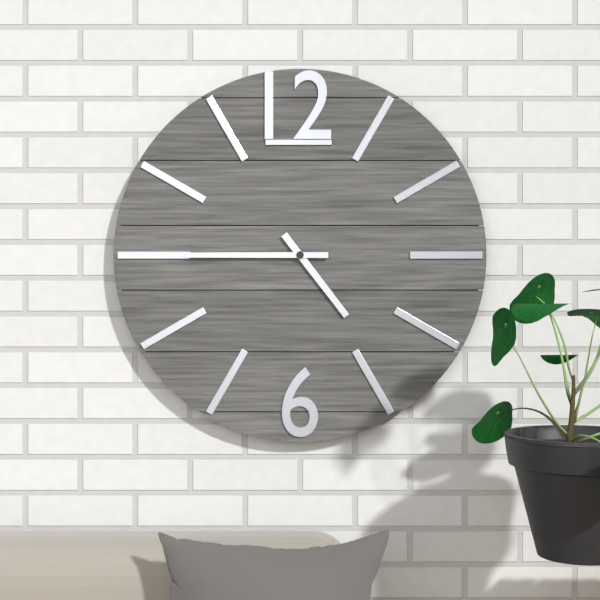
4.45
